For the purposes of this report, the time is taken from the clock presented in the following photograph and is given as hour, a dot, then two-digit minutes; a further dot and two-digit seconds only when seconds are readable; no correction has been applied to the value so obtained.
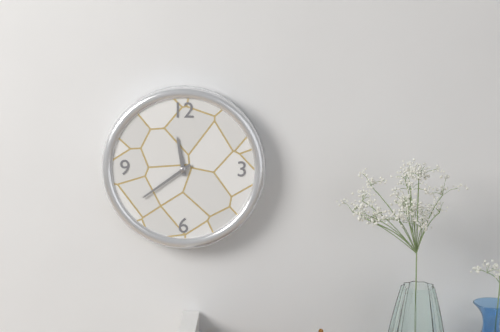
11.39
